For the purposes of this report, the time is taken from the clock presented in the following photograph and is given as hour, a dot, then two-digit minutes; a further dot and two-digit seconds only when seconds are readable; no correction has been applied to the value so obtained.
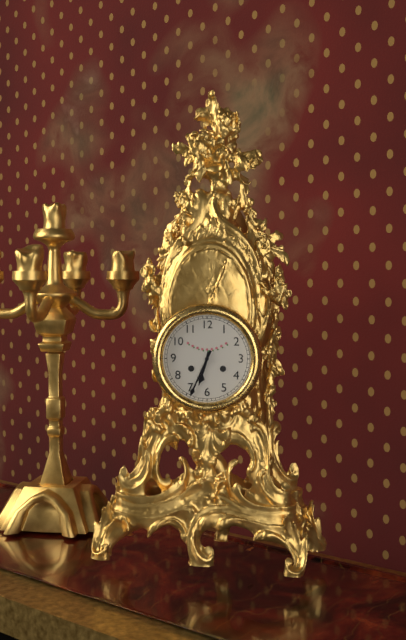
6.34
